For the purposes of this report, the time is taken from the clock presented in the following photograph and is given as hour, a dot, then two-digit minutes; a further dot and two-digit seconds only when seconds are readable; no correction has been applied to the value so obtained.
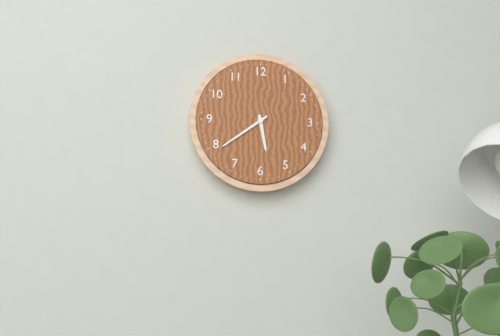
5.39
